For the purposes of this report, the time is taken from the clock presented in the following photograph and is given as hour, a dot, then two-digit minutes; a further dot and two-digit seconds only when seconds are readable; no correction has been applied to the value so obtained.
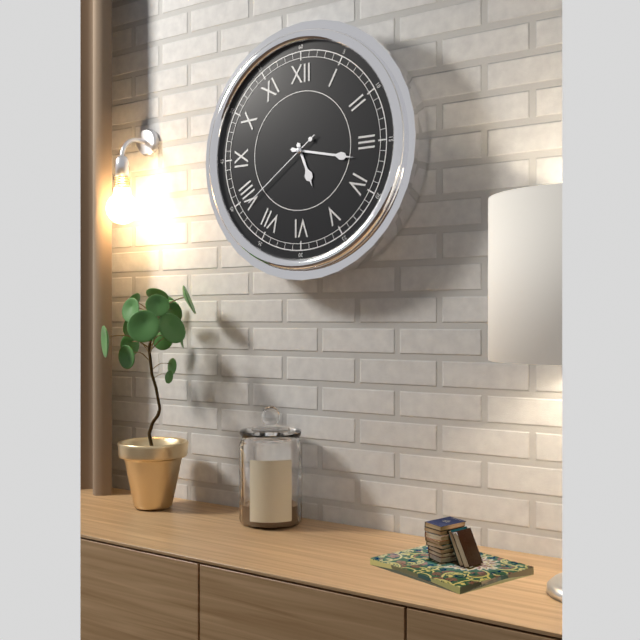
5.17.39
